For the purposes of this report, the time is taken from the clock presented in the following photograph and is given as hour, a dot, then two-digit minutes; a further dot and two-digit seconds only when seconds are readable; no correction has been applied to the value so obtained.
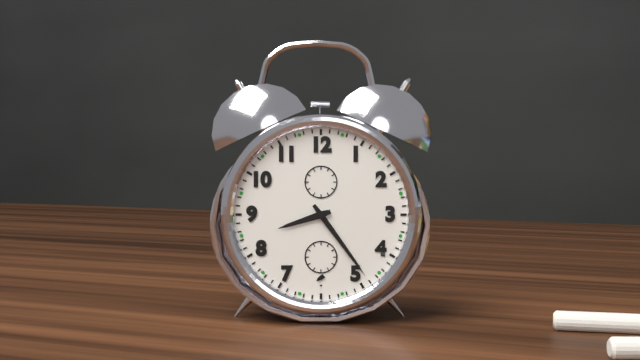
8.24
